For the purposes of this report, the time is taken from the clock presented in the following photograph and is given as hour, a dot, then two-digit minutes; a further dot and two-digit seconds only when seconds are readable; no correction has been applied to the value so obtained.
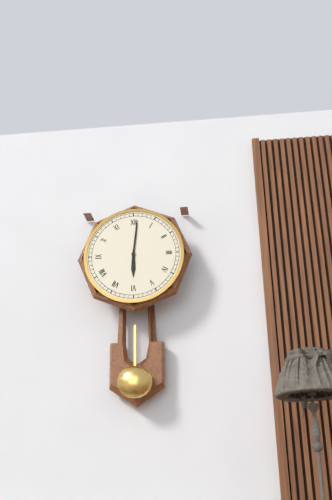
6.01
